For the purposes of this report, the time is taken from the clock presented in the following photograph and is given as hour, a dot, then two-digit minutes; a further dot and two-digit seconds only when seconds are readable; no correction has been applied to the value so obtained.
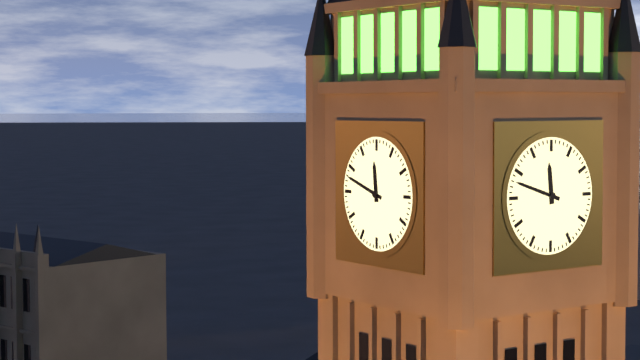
11.48
